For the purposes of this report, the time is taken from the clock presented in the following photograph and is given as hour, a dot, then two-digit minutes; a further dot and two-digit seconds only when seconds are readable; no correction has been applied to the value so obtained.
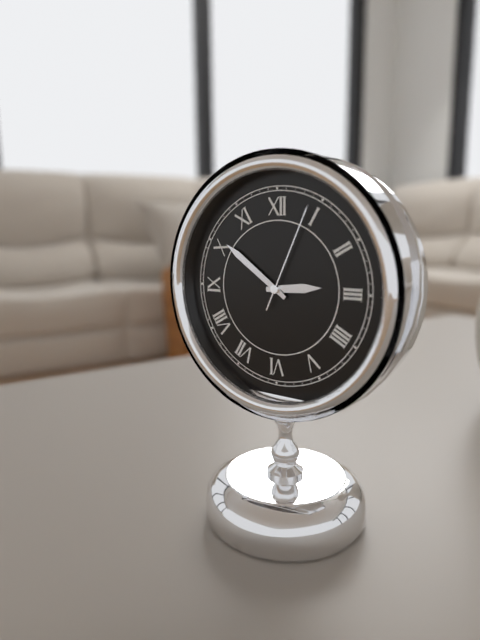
2.51.04
